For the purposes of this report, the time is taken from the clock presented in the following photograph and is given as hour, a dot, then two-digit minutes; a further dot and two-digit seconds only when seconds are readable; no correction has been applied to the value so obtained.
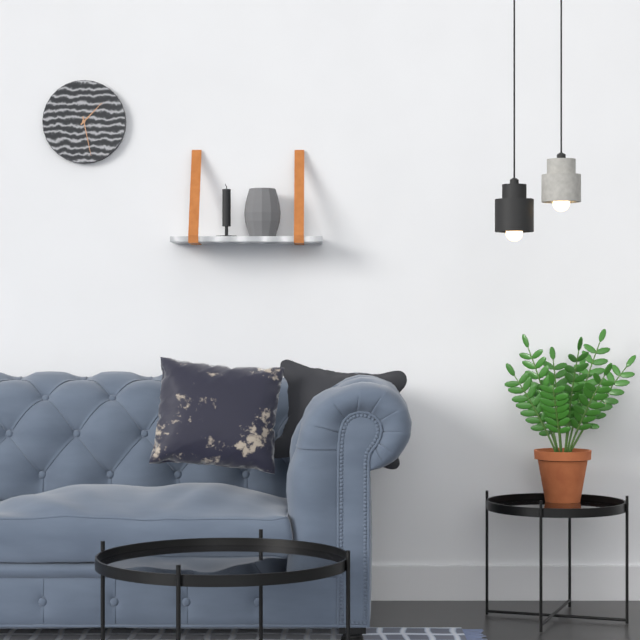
1.28
